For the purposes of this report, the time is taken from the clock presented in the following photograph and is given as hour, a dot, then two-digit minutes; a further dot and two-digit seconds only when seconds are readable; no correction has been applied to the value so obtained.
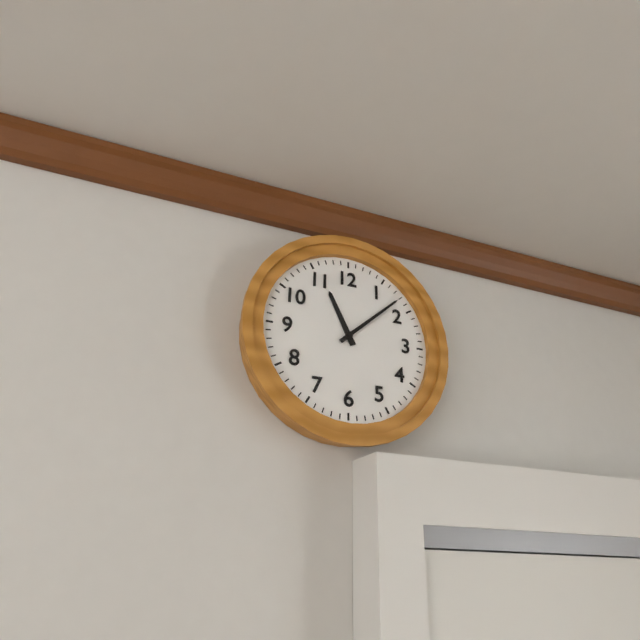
11.08
